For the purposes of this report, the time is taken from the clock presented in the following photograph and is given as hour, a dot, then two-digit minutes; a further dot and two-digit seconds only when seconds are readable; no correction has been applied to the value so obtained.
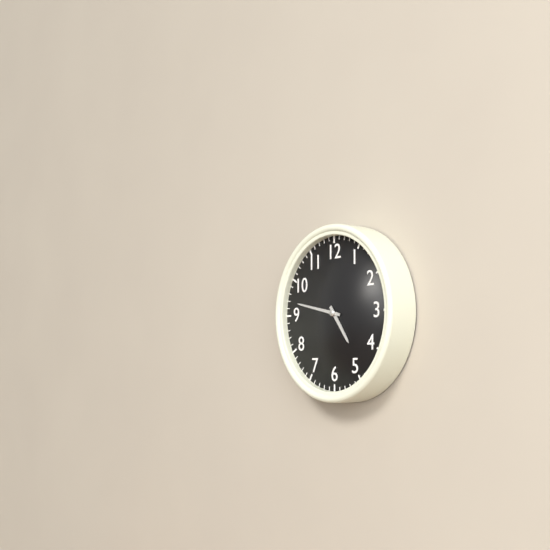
4.47
